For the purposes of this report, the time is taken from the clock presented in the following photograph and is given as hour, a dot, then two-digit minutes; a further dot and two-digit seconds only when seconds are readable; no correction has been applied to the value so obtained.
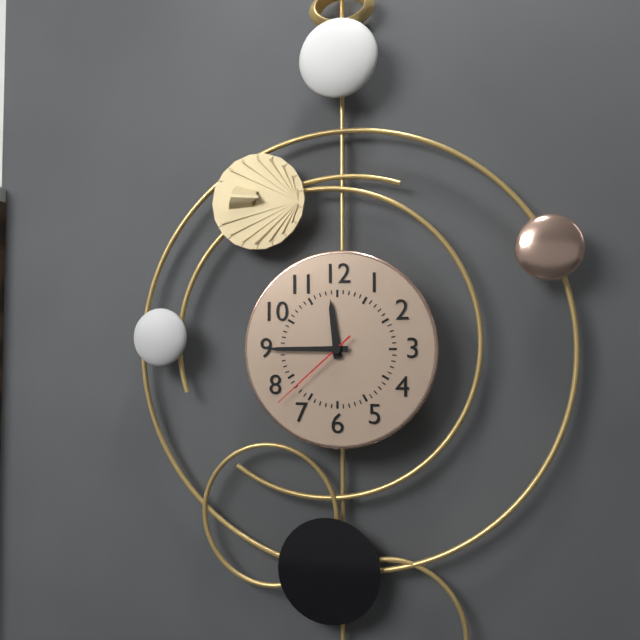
11.45.38
